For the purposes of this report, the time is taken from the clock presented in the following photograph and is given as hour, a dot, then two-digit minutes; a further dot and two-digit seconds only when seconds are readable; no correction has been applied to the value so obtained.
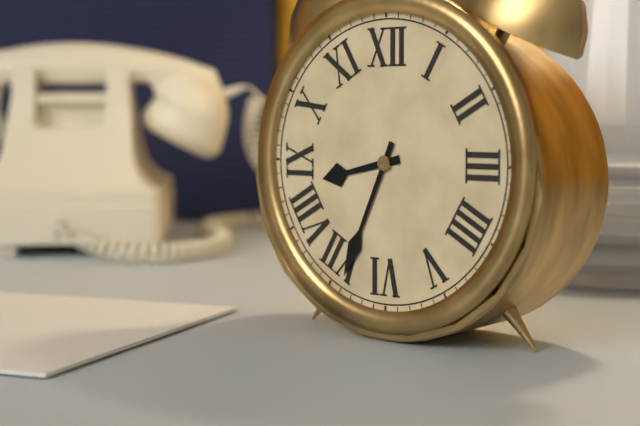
8.34
